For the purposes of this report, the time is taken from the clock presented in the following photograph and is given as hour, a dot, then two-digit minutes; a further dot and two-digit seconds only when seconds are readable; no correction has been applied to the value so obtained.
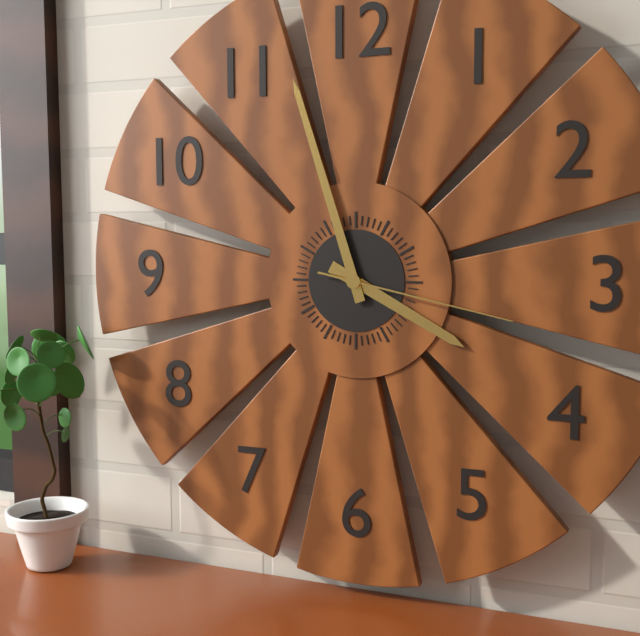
3.57.17
